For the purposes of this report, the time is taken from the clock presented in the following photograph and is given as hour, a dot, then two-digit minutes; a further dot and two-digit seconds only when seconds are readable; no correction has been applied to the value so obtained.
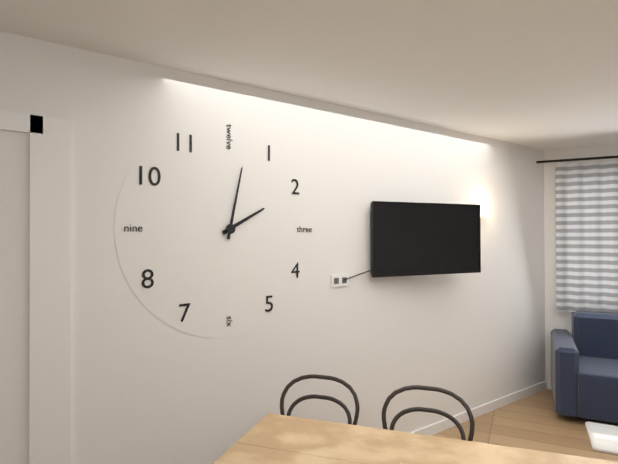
2.02
